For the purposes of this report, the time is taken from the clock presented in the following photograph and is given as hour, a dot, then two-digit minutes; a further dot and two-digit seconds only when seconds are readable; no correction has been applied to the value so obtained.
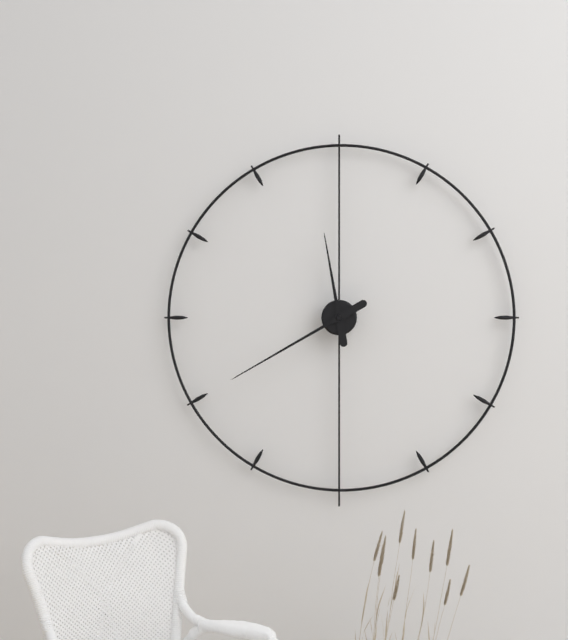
11.40
